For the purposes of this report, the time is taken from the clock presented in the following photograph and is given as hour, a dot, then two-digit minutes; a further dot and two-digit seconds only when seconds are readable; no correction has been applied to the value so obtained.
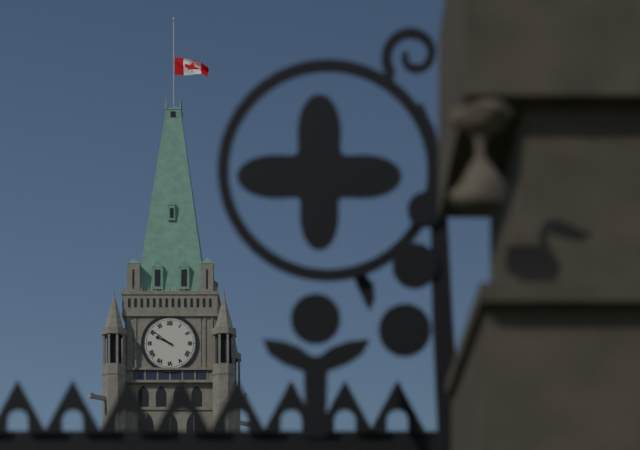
9.51
